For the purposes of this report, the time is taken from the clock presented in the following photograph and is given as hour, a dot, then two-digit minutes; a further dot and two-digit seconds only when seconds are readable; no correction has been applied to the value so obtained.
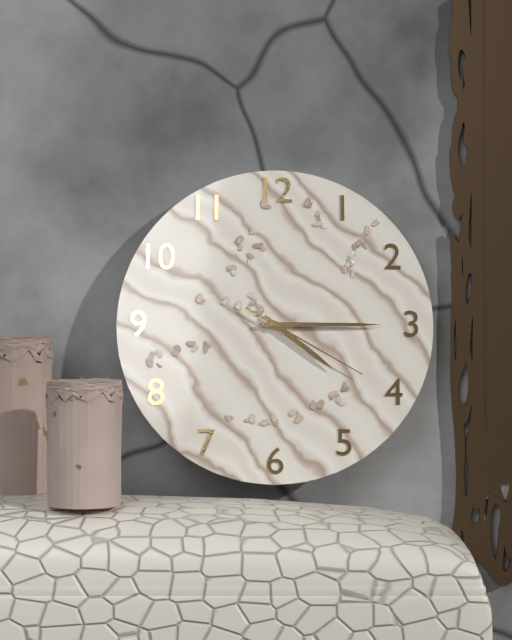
4.15.20
